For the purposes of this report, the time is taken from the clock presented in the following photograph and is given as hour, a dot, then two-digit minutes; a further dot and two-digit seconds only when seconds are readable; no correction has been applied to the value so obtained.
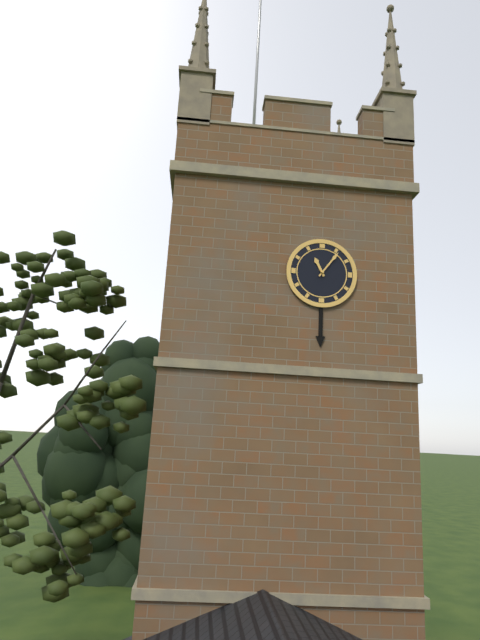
11.06
